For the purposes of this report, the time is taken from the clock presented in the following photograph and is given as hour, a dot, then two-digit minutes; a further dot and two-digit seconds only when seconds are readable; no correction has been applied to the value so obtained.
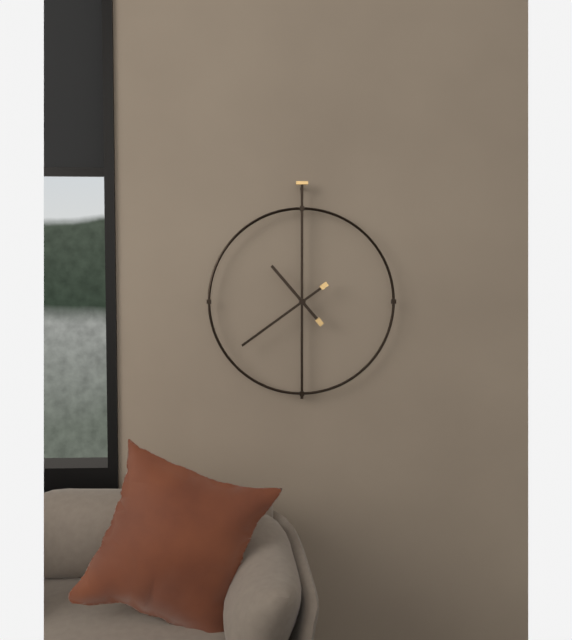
10.39
